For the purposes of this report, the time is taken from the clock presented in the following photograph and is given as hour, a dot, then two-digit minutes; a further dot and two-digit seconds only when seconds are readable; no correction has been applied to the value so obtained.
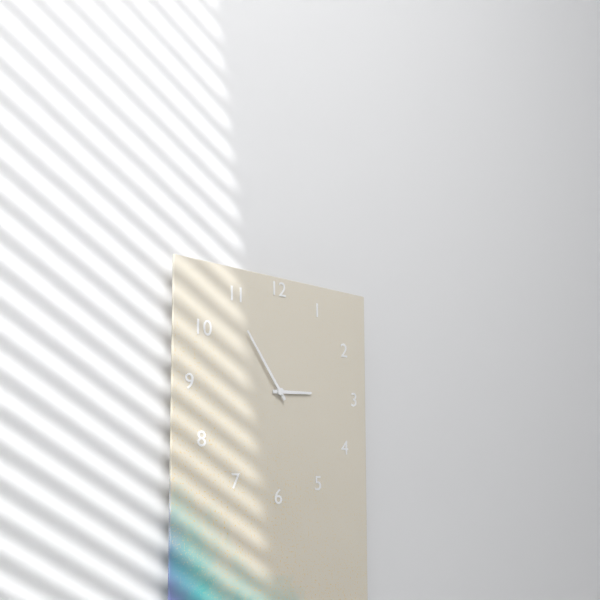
2.54
